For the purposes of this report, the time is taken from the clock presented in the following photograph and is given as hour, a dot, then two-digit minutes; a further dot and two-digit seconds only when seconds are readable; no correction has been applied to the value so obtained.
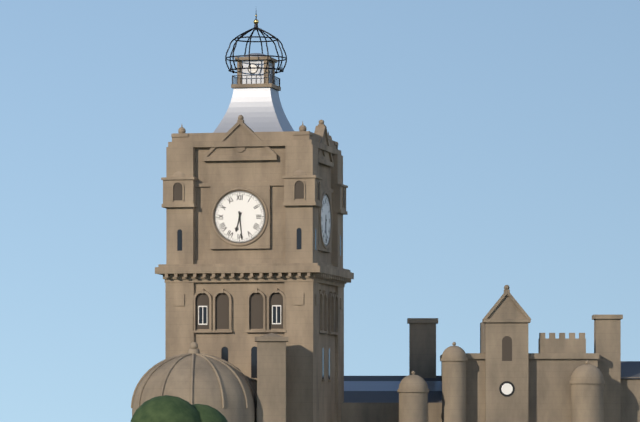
6.29
